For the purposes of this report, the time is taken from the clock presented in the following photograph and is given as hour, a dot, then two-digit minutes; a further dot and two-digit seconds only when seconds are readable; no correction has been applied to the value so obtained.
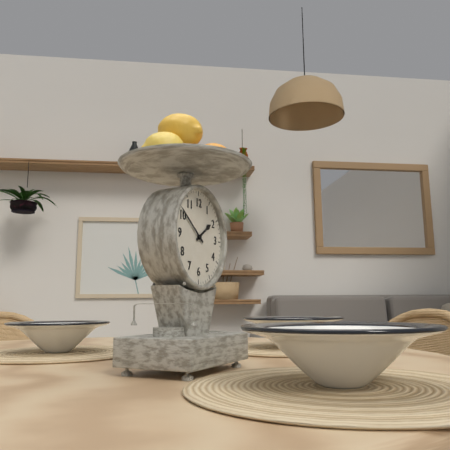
1.51
